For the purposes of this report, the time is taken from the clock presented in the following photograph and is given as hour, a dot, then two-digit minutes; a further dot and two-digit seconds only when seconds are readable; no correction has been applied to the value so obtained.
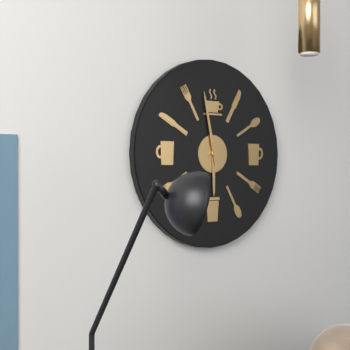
5.58
